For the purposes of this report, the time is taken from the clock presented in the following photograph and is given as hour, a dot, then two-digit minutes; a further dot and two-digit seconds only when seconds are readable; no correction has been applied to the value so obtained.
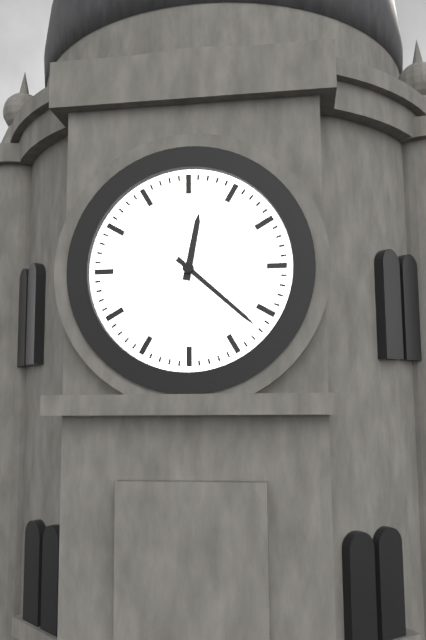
12.22
